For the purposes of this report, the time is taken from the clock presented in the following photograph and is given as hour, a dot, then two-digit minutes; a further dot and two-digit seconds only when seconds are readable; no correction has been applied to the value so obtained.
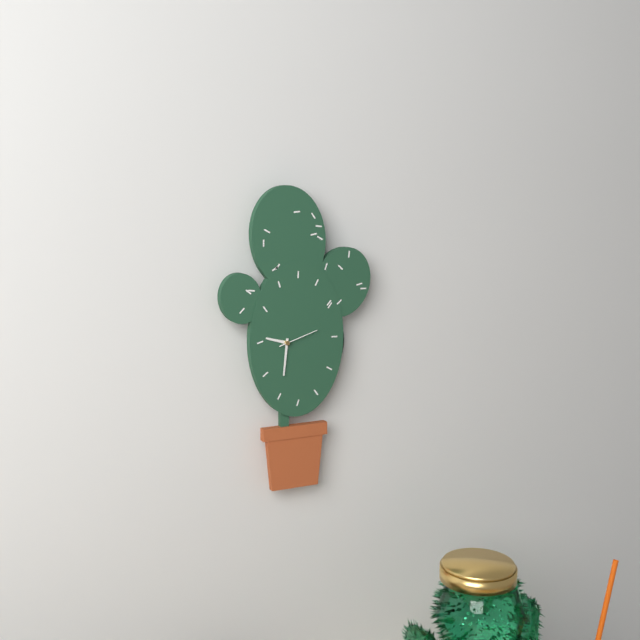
9.31
